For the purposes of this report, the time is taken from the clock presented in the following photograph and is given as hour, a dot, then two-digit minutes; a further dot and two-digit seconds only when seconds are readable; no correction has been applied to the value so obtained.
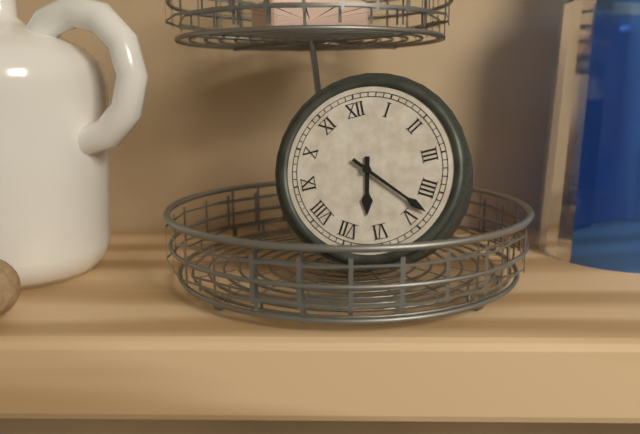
6.23
